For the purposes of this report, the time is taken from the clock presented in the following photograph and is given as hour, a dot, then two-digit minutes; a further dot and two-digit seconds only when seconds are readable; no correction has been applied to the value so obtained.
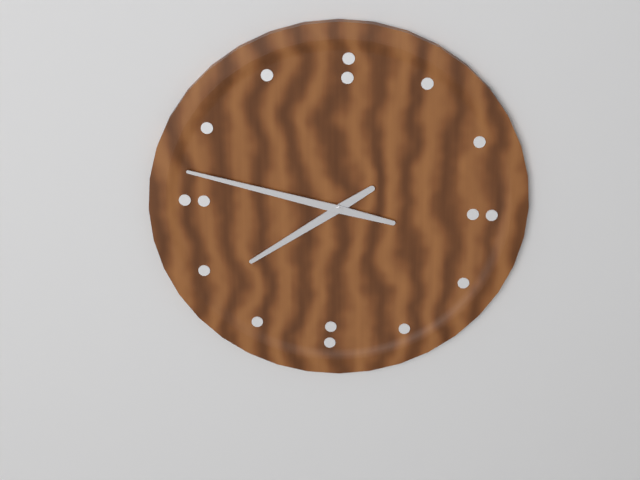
7.47
